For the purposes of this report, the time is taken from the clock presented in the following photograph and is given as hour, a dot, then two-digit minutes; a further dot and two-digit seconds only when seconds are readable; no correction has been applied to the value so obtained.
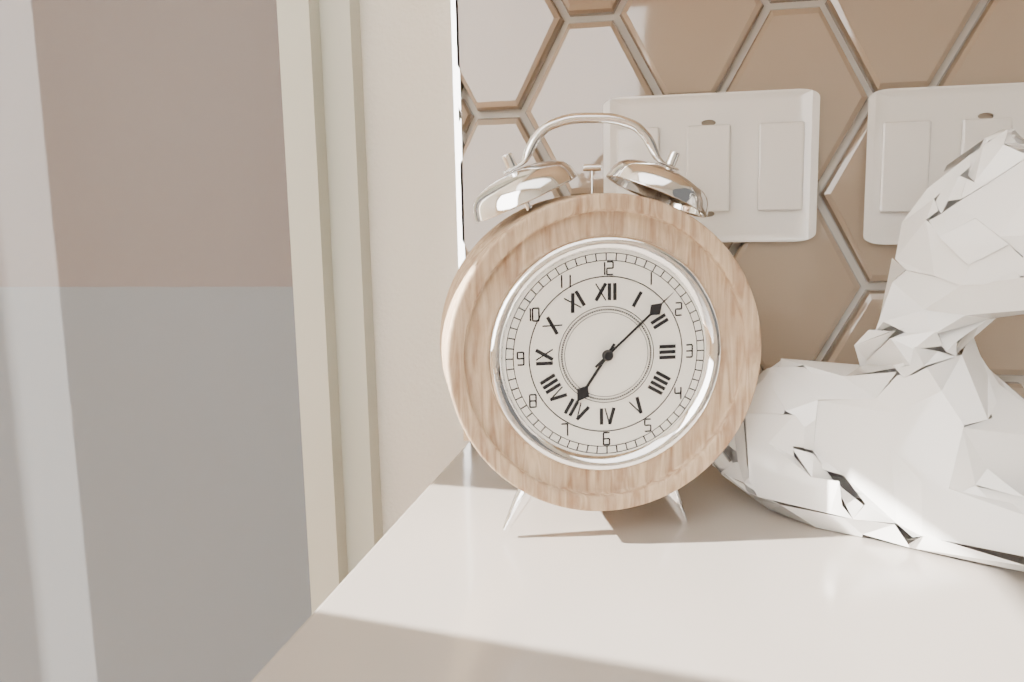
7.08
